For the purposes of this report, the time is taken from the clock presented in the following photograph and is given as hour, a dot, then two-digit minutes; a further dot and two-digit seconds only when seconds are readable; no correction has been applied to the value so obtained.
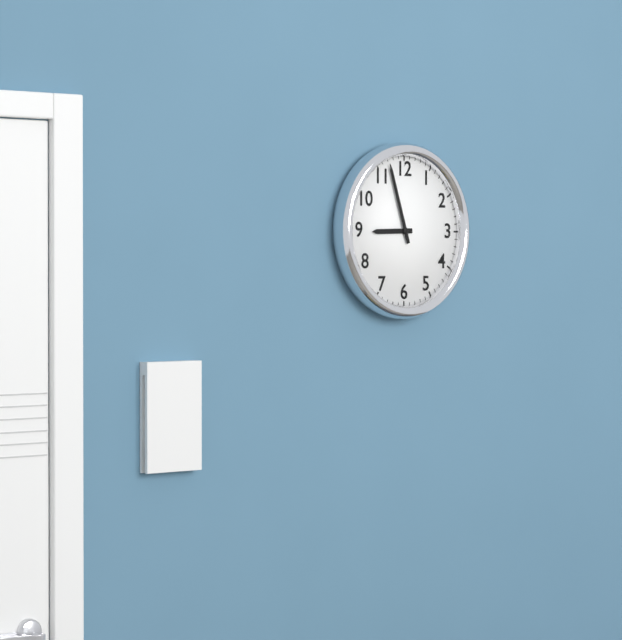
8.57
